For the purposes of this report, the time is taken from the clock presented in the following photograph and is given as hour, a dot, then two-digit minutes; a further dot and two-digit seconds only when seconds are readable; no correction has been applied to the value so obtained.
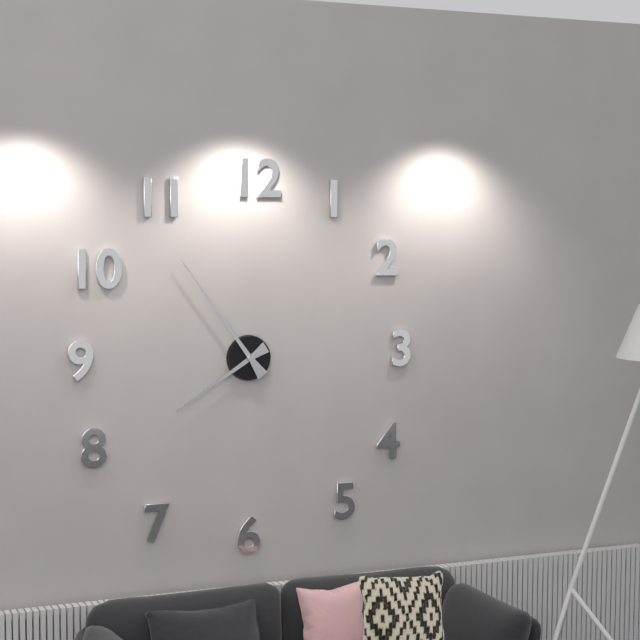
7.54
